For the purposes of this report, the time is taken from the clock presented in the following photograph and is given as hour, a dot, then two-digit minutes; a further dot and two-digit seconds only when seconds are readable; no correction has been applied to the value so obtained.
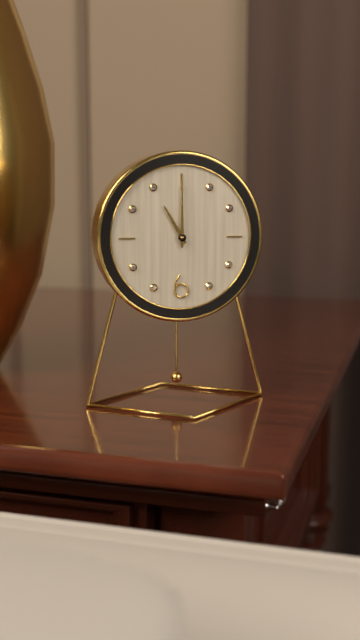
11.00
